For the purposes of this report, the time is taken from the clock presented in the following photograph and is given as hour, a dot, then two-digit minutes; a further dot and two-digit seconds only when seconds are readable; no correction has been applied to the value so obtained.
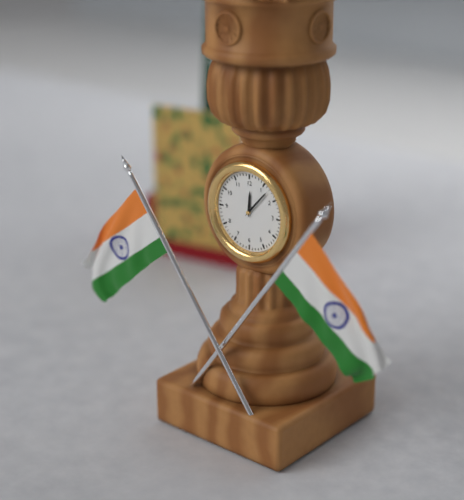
12.07
